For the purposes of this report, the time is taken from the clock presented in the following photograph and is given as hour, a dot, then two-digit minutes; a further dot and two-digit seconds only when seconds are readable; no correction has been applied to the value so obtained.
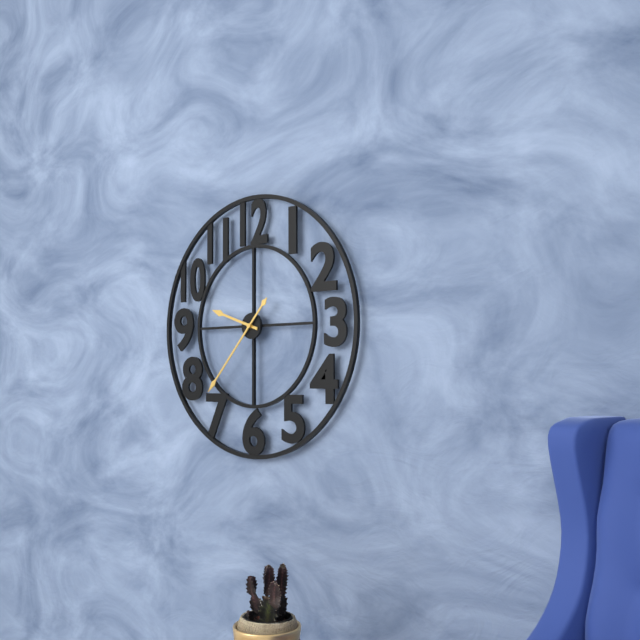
9.37
